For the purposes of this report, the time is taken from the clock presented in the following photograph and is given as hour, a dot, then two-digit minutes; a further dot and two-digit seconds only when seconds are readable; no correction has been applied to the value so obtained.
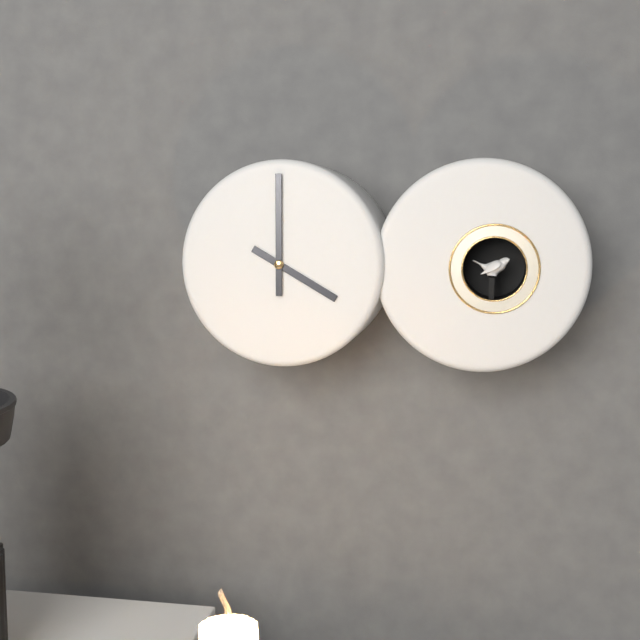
4.00
